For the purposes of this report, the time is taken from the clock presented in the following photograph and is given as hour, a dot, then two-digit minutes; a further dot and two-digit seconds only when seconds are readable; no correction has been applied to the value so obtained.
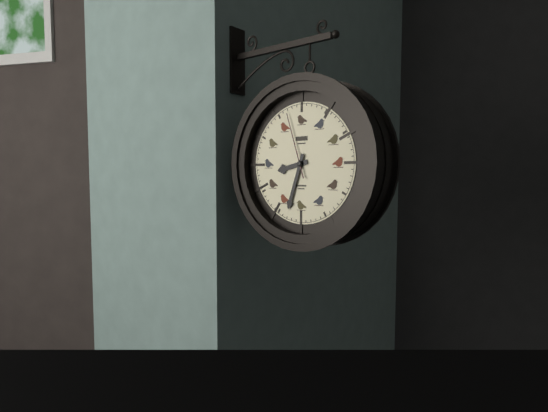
8.33.57
